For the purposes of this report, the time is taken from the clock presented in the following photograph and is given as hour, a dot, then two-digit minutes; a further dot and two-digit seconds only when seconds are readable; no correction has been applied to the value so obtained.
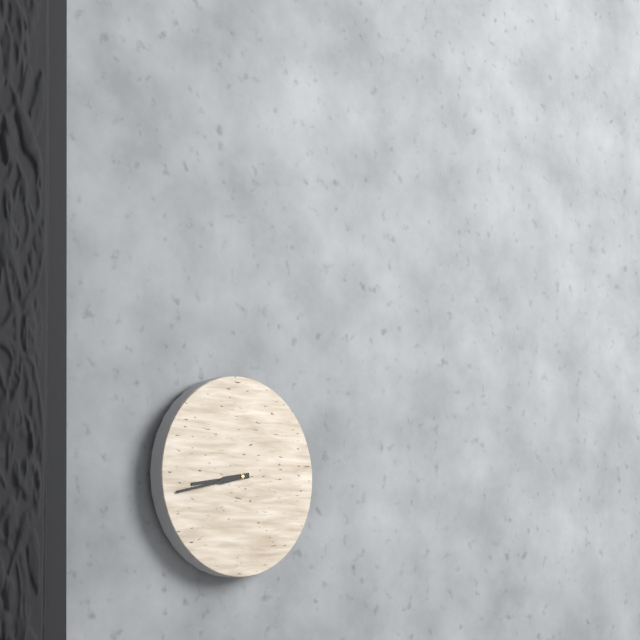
8.43
